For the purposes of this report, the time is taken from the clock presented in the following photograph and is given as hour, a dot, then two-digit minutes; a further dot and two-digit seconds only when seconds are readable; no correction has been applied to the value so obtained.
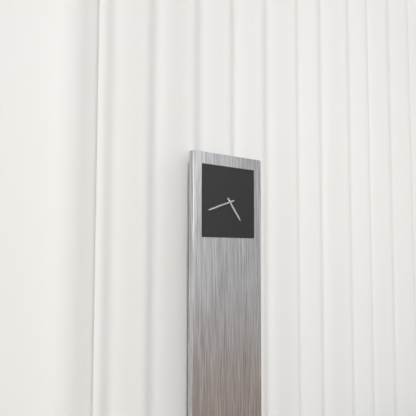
4.42
